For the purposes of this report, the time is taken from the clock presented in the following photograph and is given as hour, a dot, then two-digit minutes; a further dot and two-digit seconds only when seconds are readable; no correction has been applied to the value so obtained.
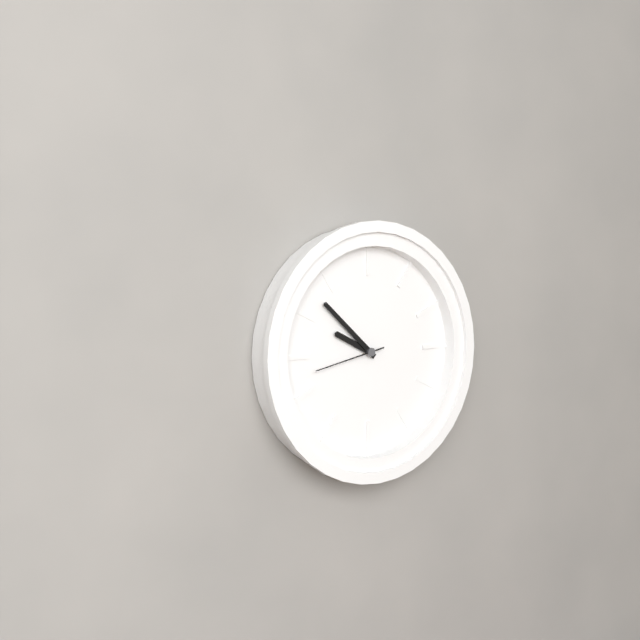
9.52.43
